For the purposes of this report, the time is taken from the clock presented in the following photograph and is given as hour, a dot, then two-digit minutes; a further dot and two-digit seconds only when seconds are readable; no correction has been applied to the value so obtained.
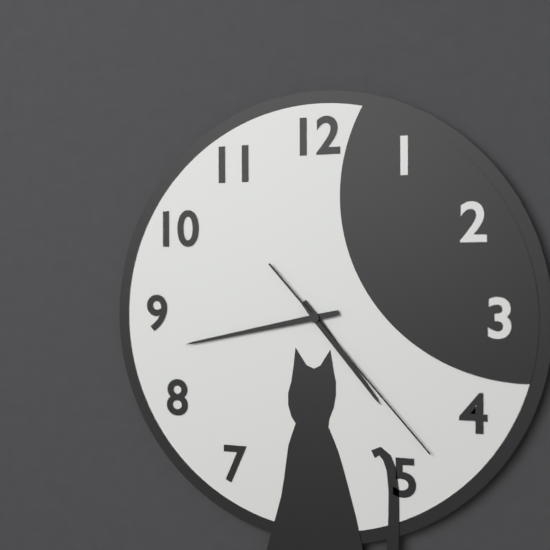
4.43.23
